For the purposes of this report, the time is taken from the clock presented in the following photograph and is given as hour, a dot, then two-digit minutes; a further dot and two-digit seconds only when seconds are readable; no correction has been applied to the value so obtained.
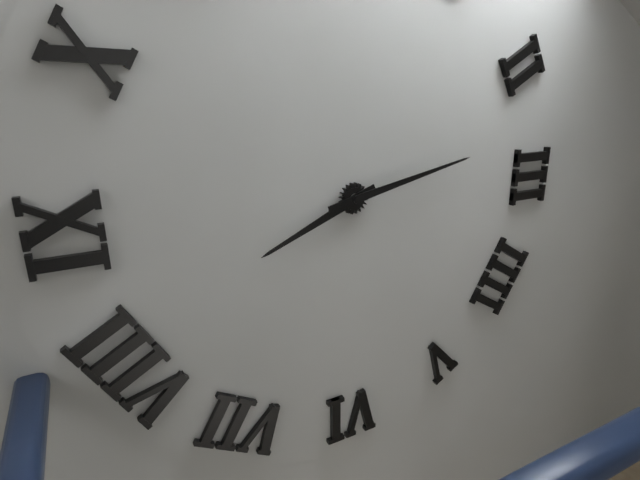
8.13
